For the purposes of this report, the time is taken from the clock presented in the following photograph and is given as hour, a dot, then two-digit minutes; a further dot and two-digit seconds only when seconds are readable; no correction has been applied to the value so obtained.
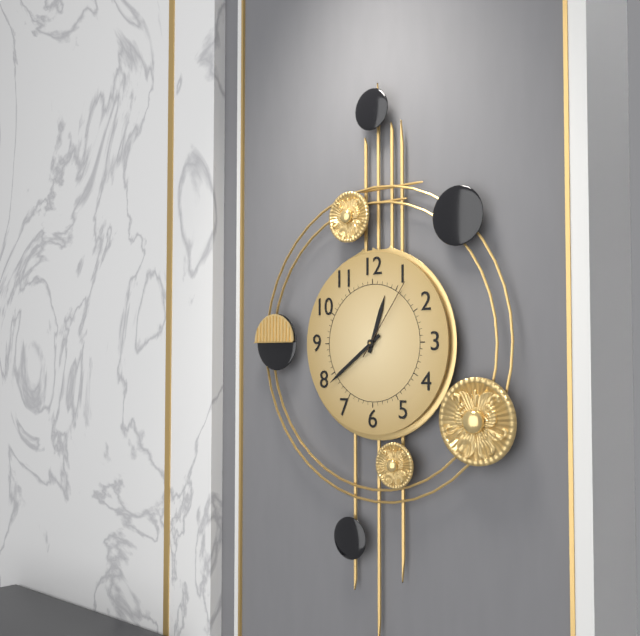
12.39.06
